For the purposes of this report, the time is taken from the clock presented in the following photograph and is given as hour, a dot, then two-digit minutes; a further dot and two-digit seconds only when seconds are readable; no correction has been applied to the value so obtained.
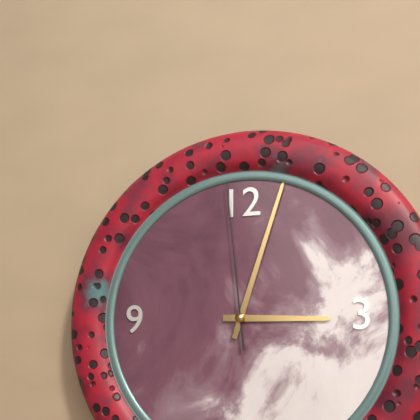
3.03.59
